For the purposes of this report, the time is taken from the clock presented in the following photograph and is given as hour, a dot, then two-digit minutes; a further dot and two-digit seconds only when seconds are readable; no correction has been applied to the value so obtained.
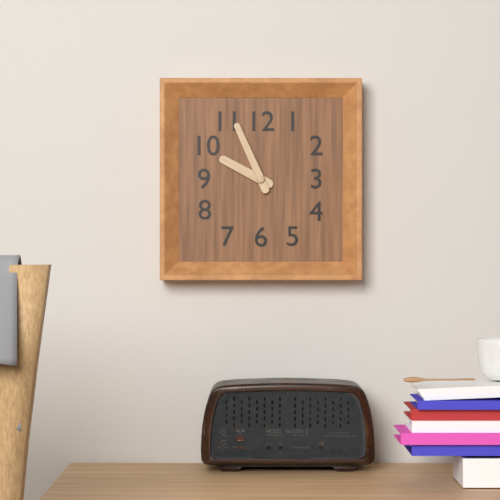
9.56
